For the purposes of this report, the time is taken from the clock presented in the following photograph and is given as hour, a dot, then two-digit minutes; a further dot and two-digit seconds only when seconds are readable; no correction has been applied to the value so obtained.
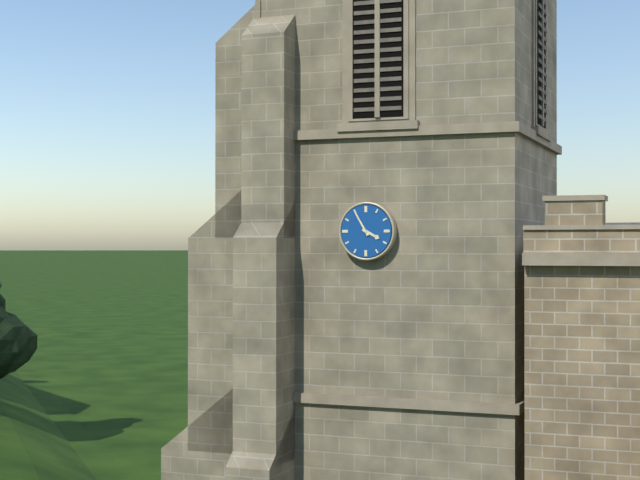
3.55
